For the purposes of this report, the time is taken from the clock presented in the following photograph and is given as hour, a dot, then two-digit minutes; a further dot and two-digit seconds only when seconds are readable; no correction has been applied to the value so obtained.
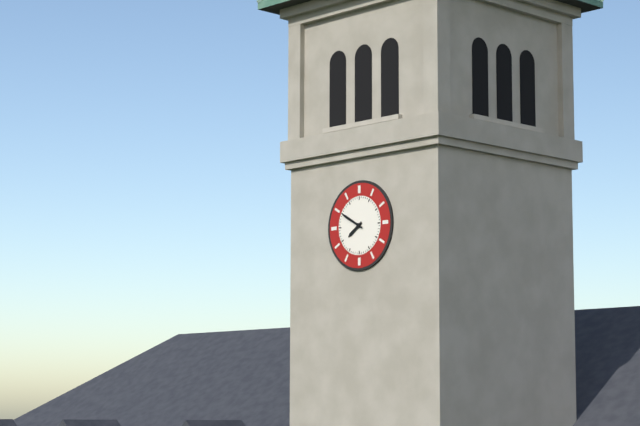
7.50
